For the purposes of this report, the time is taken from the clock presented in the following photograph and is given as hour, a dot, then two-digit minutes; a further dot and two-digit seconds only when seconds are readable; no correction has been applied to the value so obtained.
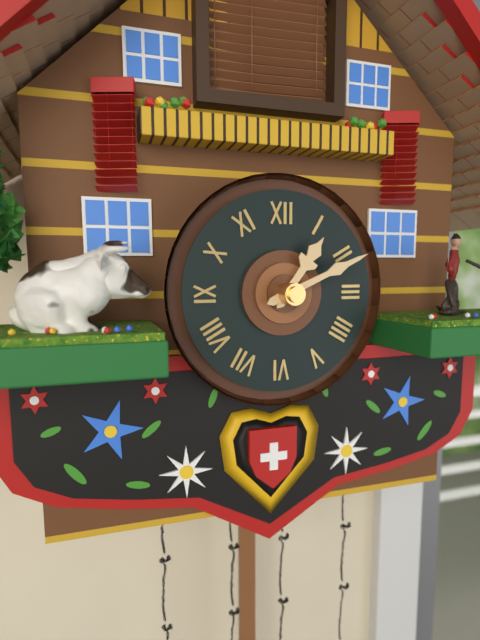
1.11
